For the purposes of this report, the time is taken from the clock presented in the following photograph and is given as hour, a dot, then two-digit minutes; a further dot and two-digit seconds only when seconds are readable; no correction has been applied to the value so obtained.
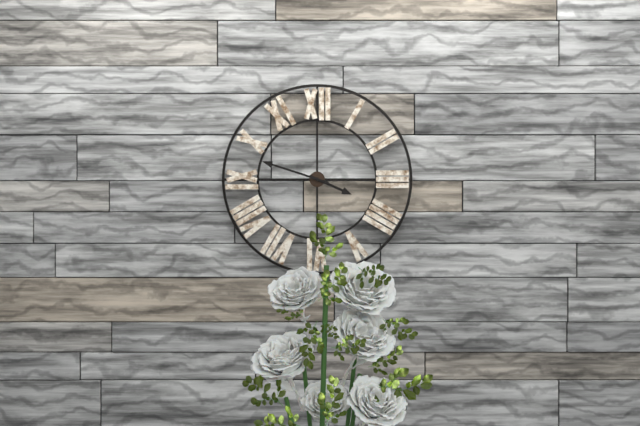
3.48
